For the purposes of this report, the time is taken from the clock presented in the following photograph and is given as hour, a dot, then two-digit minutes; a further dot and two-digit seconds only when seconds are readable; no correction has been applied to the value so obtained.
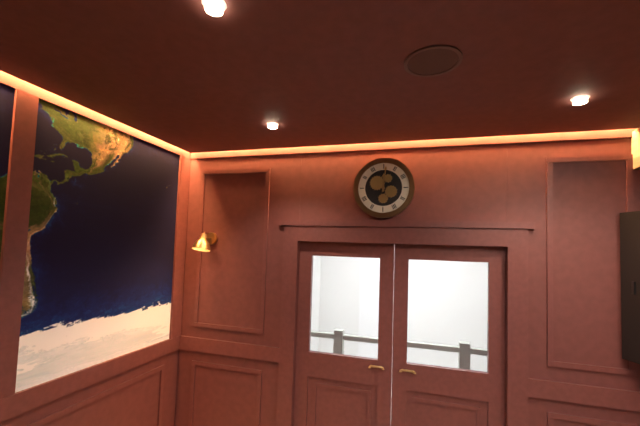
12.01
